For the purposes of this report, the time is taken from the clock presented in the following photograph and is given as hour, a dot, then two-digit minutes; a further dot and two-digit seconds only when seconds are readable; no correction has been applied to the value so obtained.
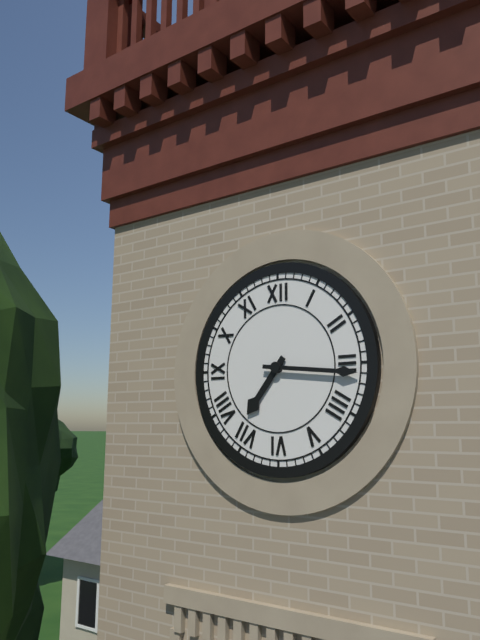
7.16
